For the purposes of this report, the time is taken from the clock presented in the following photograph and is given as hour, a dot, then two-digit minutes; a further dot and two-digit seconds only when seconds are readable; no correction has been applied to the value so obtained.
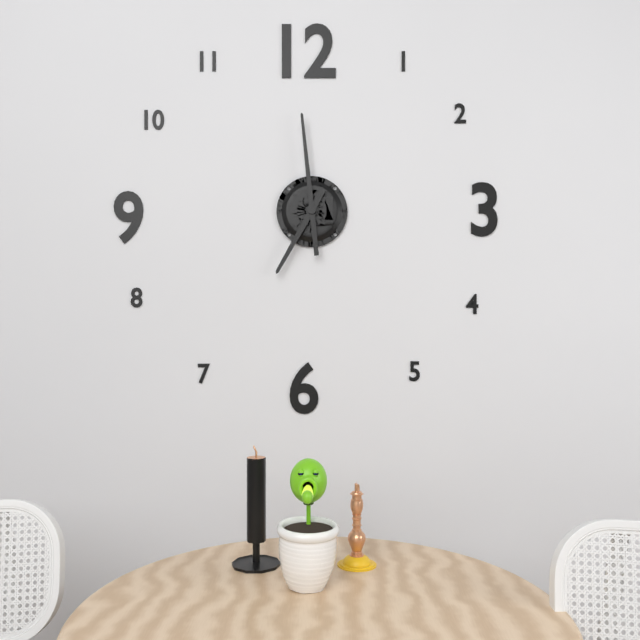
6.59
